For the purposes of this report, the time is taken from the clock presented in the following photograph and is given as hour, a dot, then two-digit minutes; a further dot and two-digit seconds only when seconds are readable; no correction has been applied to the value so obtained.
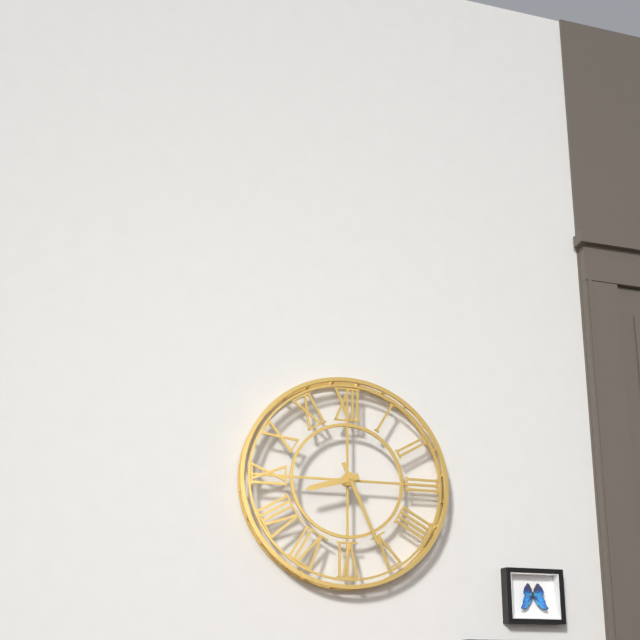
8.26
